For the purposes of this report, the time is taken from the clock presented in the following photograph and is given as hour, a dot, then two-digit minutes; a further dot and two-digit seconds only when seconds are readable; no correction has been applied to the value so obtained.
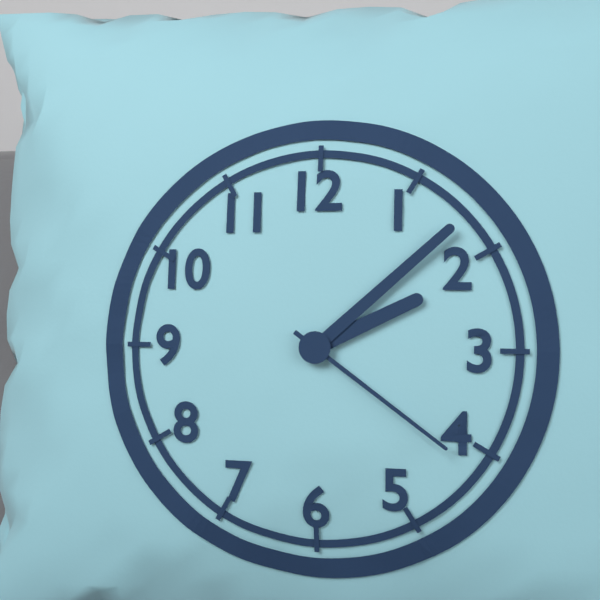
2.08.21
